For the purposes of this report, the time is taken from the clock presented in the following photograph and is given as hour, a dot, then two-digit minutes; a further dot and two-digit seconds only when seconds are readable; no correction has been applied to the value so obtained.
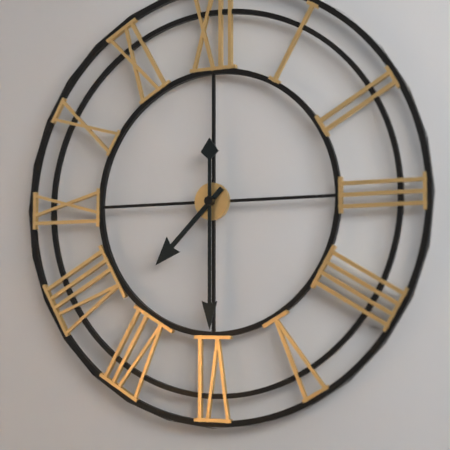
7.30
